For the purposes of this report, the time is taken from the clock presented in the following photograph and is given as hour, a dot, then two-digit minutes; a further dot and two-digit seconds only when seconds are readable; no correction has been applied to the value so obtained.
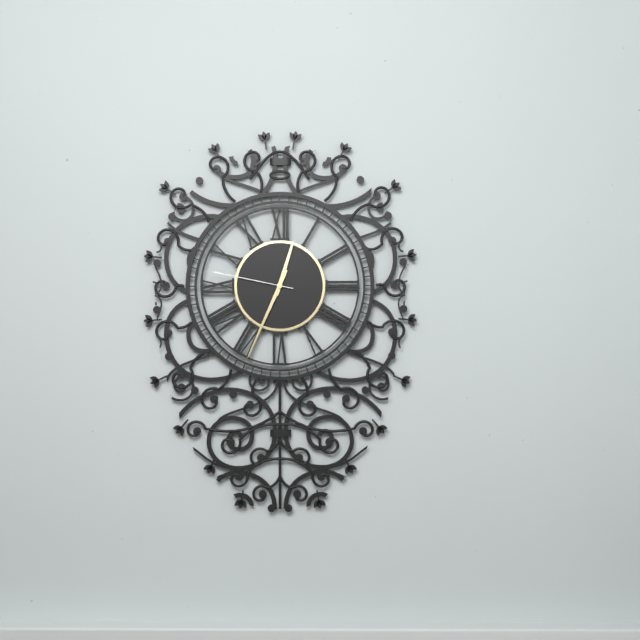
12.34.47
